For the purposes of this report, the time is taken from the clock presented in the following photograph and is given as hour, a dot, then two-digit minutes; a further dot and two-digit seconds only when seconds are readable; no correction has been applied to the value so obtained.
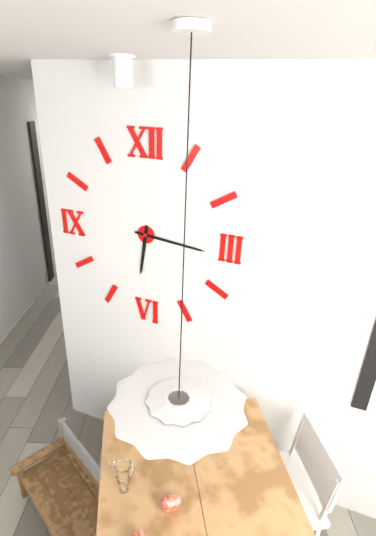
6.16
